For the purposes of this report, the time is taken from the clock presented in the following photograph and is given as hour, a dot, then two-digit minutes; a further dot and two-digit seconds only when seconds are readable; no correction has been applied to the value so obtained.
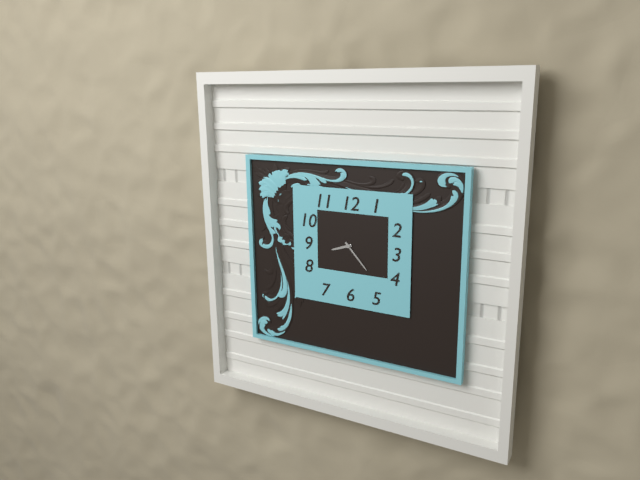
8.23
